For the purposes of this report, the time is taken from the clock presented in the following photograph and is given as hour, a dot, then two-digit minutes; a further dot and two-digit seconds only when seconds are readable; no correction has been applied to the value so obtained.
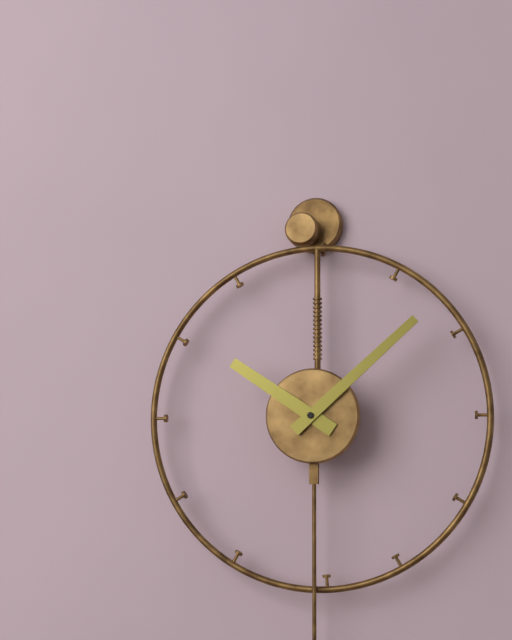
10.08
